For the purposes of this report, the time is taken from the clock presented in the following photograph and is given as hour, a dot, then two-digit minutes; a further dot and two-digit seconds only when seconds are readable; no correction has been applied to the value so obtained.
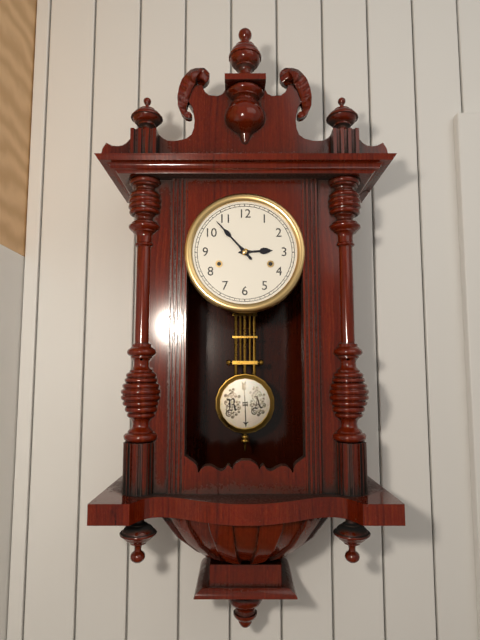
2.53
